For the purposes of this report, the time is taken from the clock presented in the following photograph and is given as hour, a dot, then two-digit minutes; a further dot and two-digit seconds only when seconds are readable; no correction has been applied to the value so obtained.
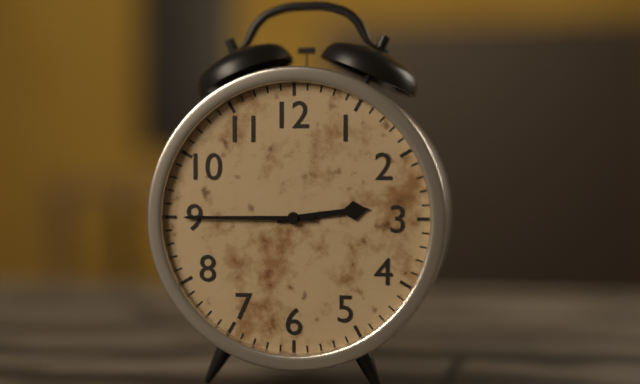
2.45
